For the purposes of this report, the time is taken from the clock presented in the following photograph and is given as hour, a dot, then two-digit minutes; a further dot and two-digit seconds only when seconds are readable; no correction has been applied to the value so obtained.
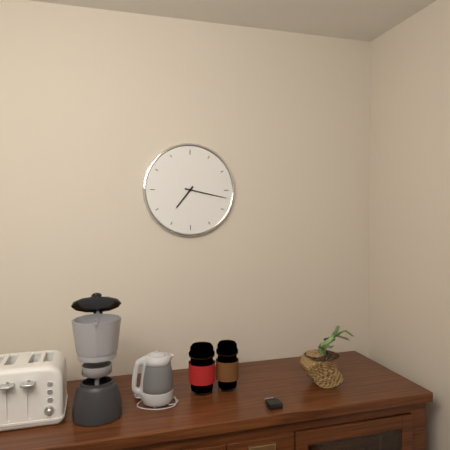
7.17
